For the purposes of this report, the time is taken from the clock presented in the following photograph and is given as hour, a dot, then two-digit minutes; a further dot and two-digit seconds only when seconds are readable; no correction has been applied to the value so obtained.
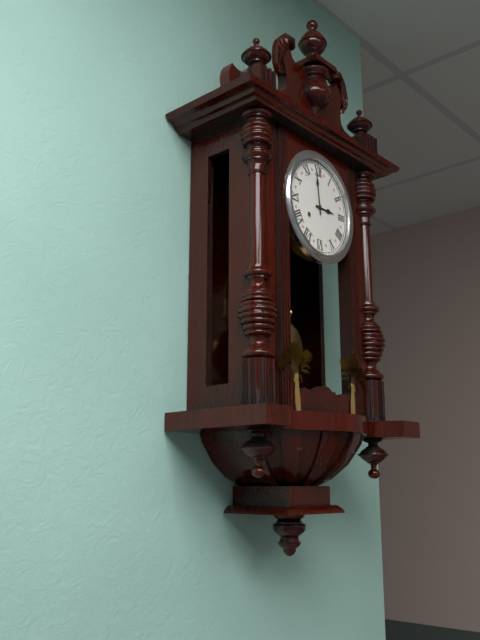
2.59
